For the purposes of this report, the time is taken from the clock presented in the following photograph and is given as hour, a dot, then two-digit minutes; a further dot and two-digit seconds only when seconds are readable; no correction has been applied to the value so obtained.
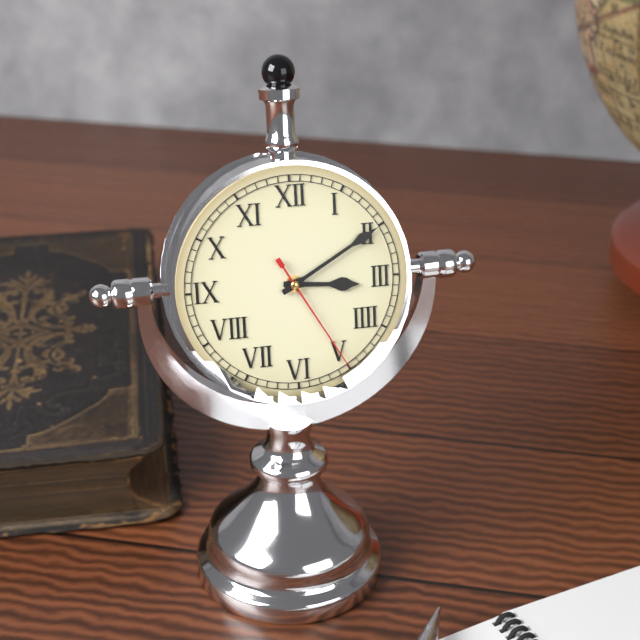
3.10.25
